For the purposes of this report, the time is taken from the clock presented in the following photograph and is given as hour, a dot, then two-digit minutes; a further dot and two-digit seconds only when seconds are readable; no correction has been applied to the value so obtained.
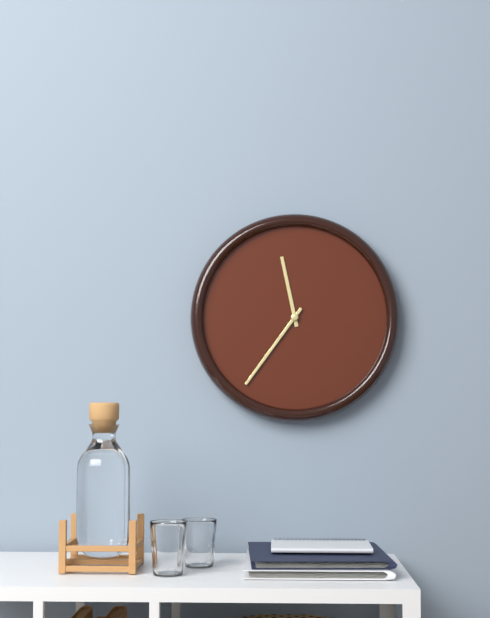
11.36
